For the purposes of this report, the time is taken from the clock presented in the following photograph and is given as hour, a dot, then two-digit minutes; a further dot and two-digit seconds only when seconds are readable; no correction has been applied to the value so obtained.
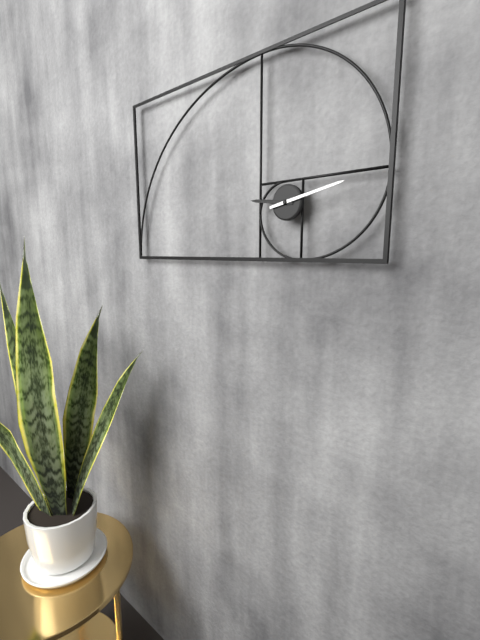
9.13
